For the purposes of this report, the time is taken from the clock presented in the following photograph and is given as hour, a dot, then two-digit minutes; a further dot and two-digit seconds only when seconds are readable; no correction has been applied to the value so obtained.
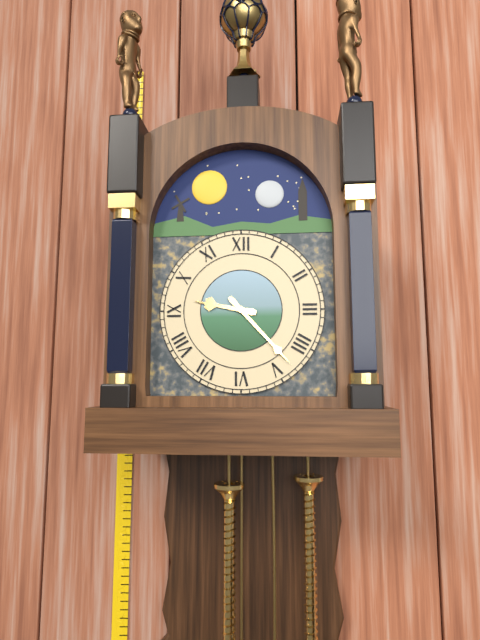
9.23
